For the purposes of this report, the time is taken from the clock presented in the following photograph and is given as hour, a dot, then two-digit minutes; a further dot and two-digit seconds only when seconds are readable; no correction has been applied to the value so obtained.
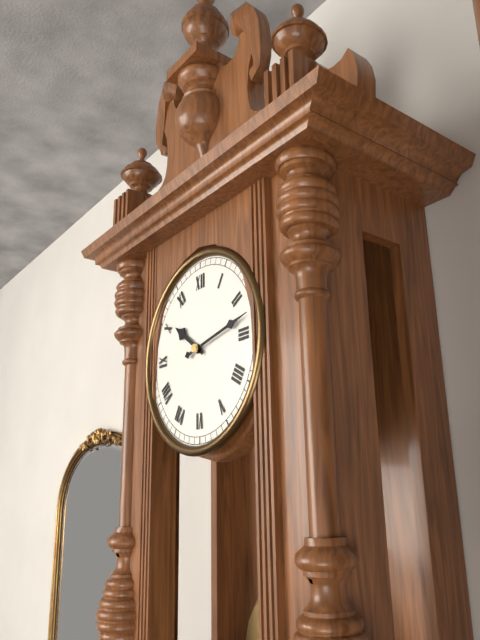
10.13
